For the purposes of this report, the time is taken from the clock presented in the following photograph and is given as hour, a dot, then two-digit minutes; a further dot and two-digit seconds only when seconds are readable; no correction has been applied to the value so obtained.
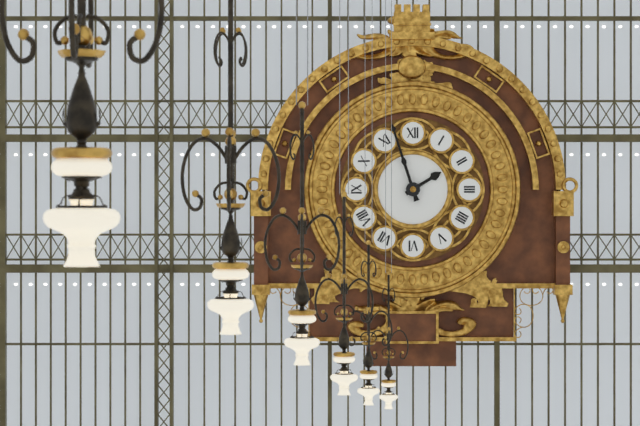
1.57
